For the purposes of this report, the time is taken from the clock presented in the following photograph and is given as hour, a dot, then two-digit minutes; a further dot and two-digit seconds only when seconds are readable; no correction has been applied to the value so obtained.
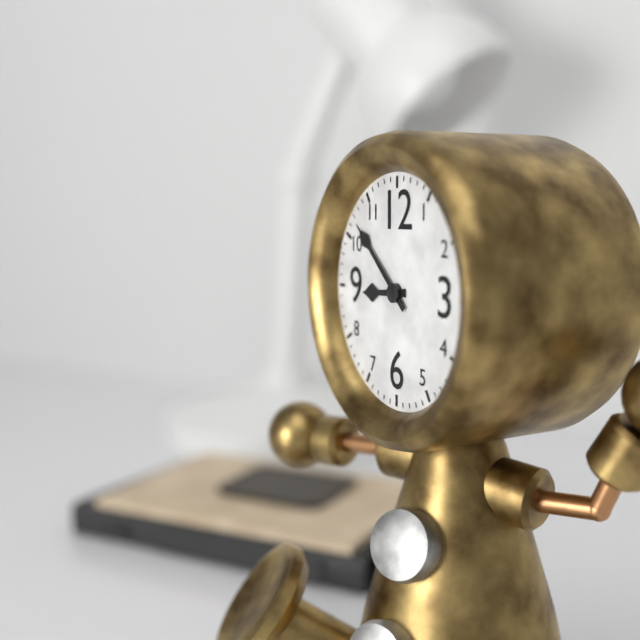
8.52
